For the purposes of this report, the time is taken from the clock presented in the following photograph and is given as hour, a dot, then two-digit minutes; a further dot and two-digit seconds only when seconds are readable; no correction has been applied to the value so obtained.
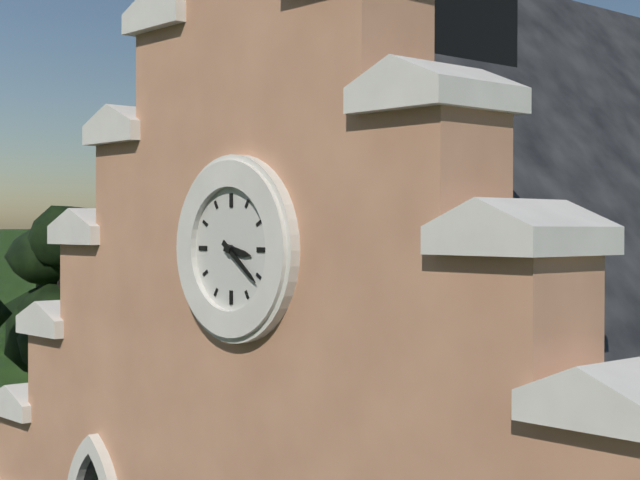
3.21
